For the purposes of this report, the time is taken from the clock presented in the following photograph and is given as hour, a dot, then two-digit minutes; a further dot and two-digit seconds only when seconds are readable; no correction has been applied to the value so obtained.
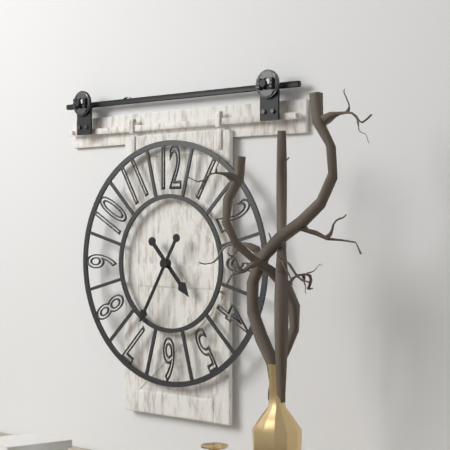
4.35
